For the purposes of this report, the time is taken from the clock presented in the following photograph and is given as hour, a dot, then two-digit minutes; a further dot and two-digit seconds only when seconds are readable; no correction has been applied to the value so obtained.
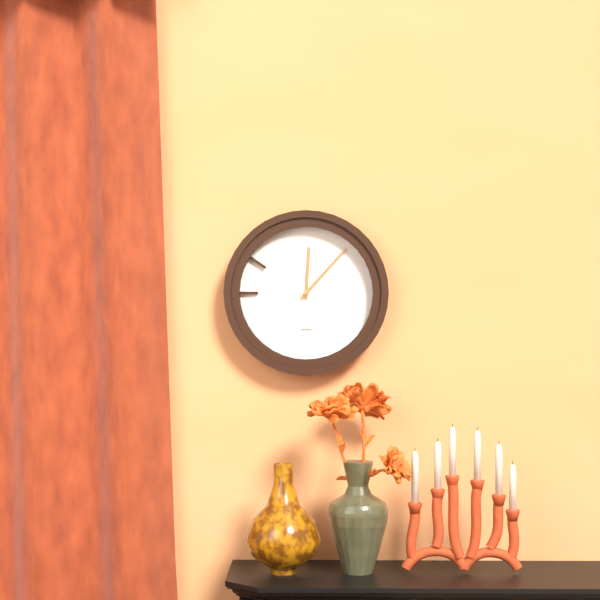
12.07
